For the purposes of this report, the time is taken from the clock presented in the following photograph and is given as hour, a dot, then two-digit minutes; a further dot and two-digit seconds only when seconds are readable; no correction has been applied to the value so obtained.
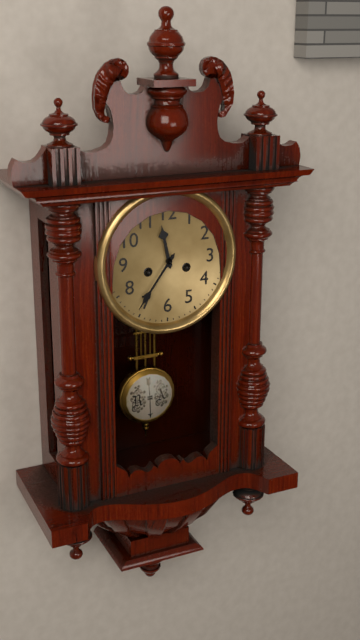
11.36
